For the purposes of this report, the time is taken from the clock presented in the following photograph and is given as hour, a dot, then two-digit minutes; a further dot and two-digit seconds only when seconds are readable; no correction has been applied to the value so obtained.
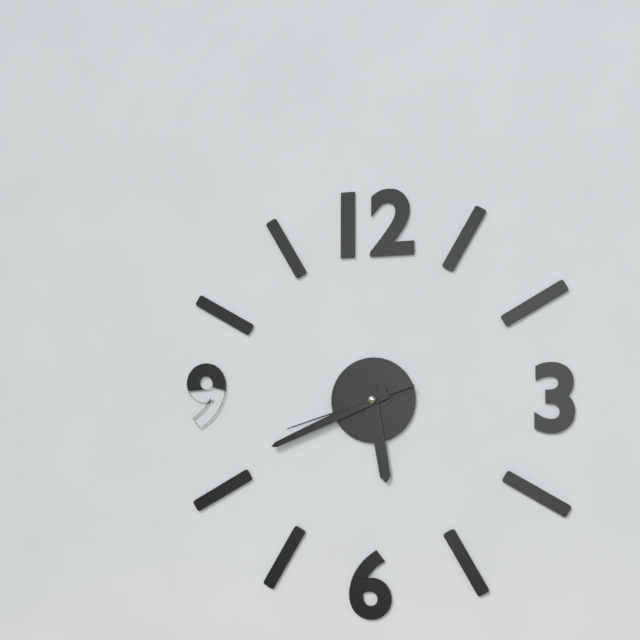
5.41.42
